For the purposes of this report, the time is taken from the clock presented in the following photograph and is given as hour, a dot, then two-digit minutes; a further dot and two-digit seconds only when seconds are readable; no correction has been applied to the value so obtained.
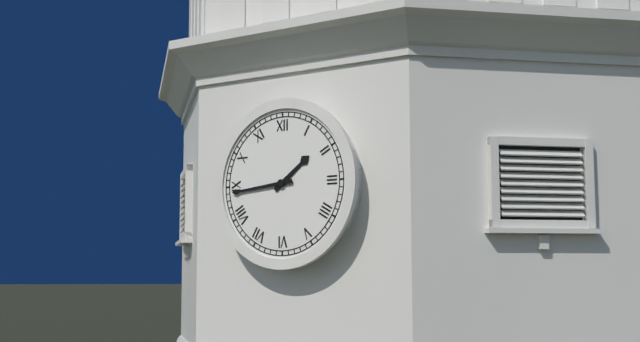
1.44
